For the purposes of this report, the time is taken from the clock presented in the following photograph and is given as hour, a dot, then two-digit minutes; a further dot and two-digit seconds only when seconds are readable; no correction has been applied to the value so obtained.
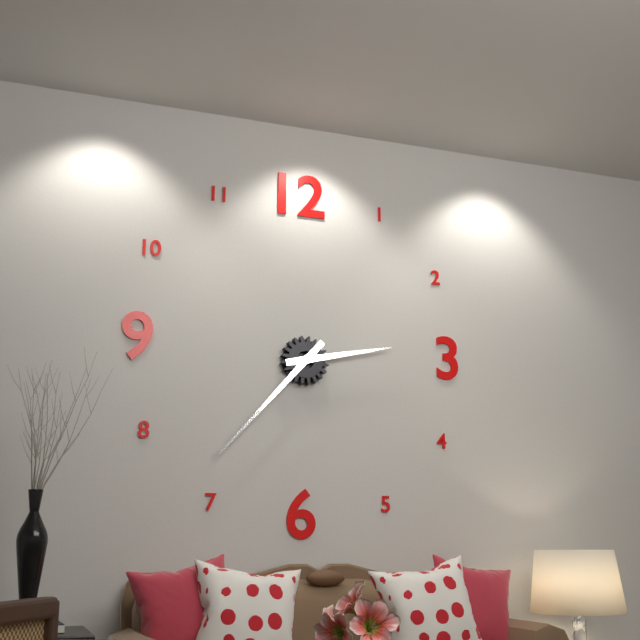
2.37
